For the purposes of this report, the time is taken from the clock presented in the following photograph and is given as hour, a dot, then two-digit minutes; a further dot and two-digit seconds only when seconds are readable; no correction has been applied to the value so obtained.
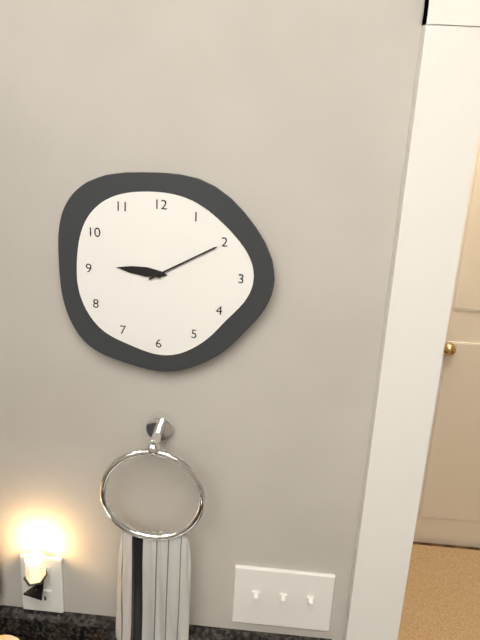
9.10
